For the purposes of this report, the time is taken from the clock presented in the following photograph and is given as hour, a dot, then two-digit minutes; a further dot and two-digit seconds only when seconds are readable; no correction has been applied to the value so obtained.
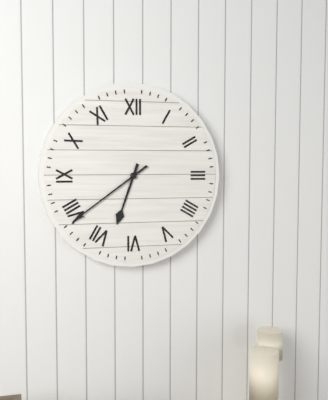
6.39
